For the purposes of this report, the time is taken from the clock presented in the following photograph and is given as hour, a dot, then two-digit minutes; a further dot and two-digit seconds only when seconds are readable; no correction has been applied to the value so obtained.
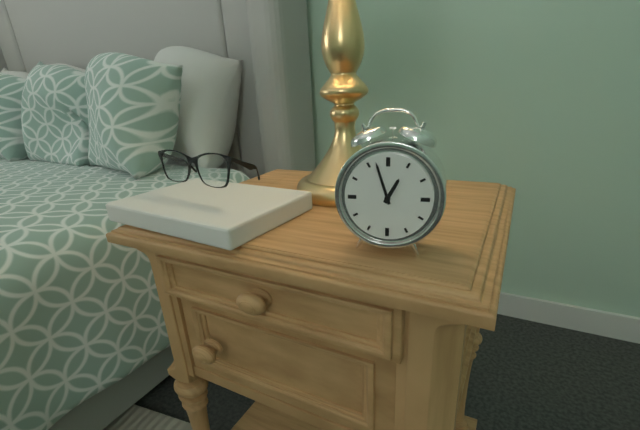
12.57
